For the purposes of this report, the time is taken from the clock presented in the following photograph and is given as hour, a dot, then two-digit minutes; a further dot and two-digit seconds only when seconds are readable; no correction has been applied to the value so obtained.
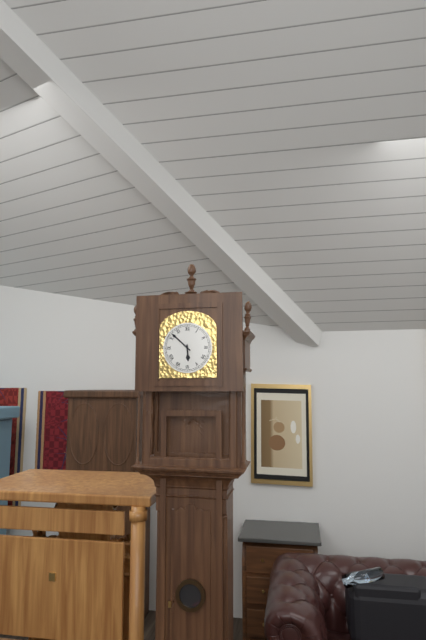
5.52
